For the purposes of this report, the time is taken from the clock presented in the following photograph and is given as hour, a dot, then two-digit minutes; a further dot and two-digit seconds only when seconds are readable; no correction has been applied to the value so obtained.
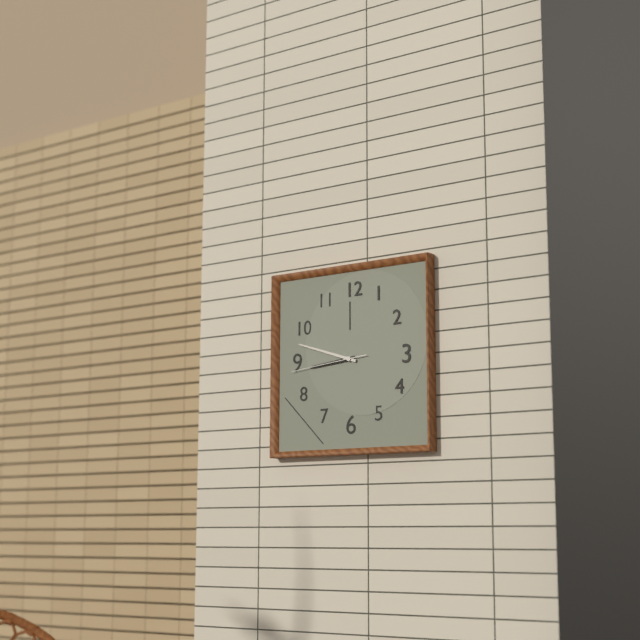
8.48.44
